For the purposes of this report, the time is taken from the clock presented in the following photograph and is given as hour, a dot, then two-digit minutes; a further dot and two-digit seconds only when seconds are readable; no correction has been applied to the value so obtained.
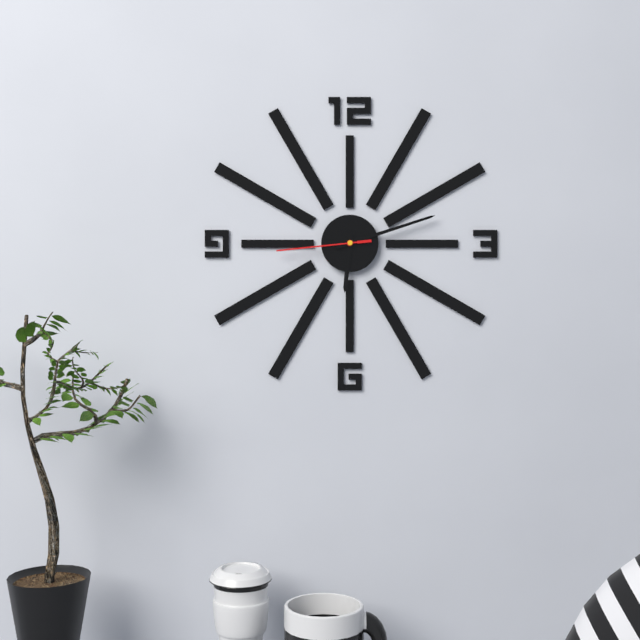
6.12.44
